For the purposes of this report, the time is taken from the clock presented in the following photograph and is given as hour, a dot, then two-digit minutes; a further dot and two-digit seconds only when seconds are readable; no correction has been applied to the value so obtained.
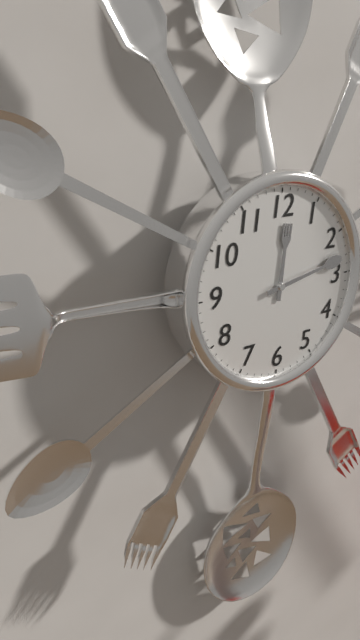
12.13
